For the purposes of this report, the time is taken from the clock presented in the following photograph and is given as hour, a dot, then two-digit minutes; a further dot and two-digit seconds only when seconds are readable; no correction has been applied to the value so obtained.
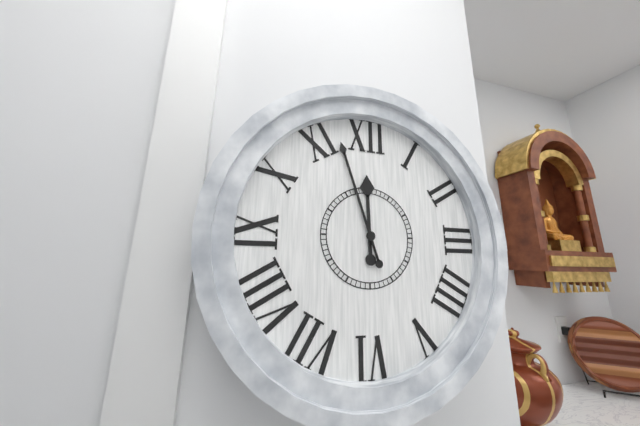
11.57
